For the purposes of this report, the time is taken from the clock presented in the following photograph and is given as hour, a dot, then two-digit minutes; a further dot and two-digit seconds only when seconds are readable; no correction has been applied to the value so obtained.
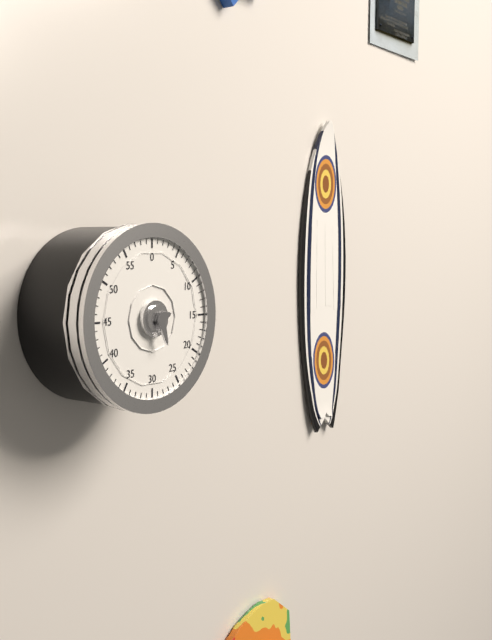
2.27
